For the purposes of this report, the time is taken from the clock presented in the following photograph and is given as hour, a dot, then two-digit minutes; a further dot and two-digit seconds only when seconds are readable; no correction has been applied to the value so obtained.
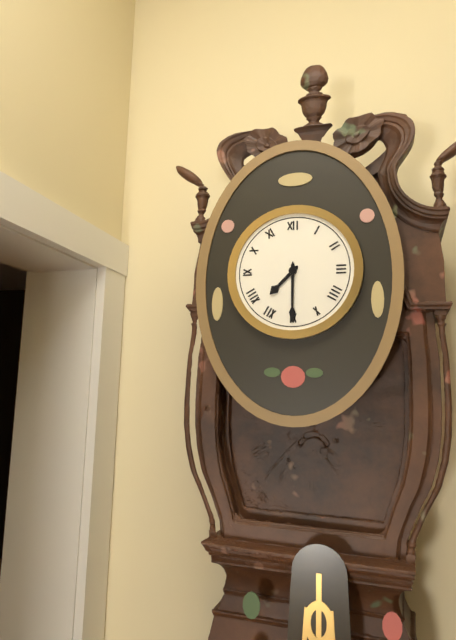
7.30
